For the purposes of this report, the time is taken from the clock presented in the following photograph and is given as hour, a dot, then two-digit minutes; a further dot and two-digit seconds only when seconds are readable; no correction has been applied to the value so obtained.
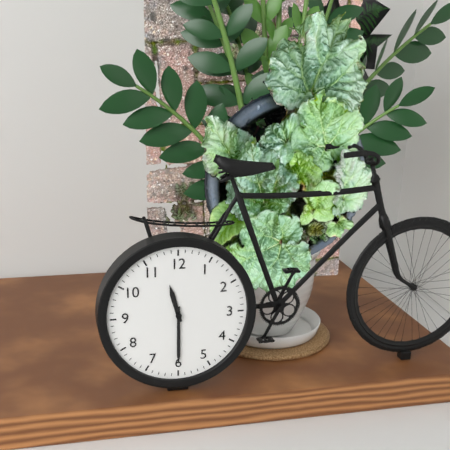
11.30
